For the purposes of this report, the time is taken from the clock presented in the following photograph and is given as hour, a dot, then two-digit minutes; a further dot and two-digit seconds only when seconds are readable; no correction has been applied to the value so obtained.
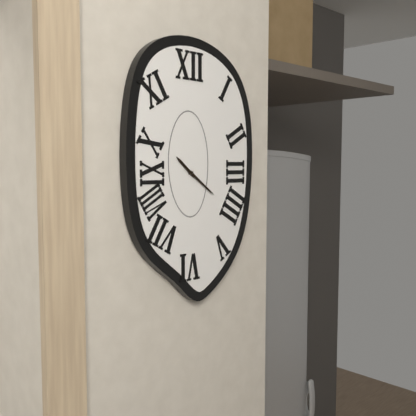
10.21
